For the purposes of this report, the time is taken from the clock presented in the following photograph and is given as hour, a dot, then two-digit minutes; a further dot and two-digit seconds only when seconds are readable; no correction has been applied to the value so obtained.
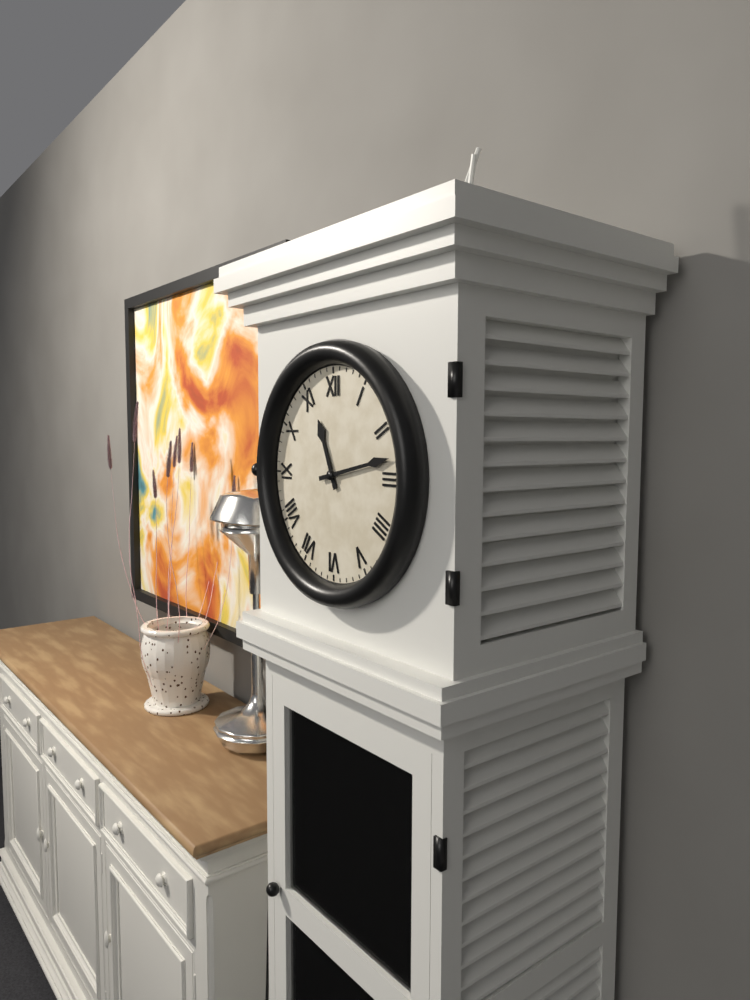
11.13
